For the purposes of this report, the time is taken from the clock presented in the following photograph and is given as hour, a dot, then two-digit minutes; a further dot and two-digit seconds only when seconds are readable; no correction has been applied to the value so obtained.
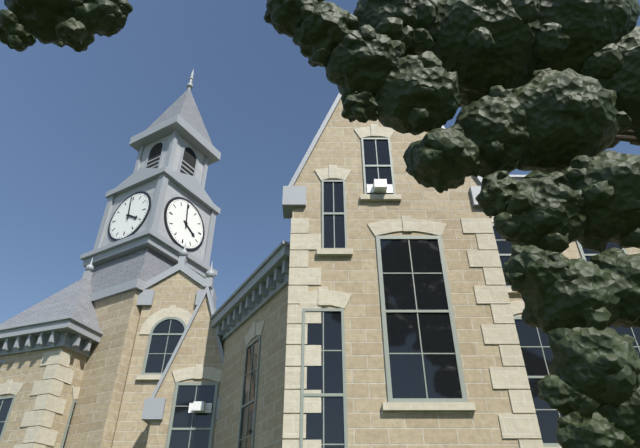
3.59
